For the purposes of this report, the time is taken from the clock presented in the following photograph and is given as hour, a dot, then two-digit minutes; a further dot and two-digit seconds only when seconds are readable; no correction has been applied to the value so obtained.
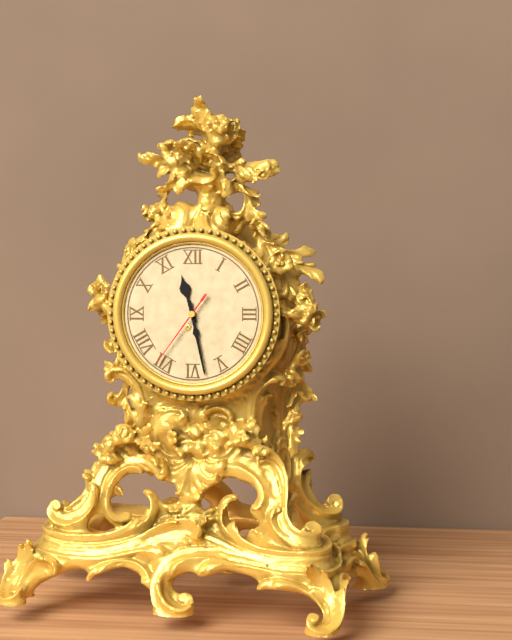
11.28.36
